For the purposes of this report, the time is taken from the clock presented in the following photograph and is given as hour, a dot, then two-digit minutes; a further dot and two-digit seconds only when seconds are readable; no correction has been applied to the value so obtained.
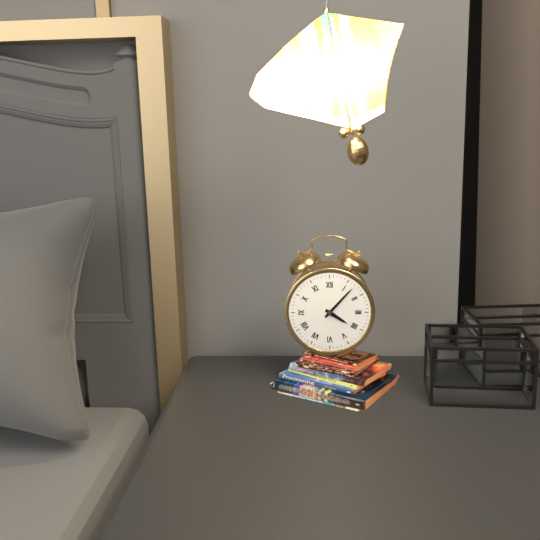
4.07
